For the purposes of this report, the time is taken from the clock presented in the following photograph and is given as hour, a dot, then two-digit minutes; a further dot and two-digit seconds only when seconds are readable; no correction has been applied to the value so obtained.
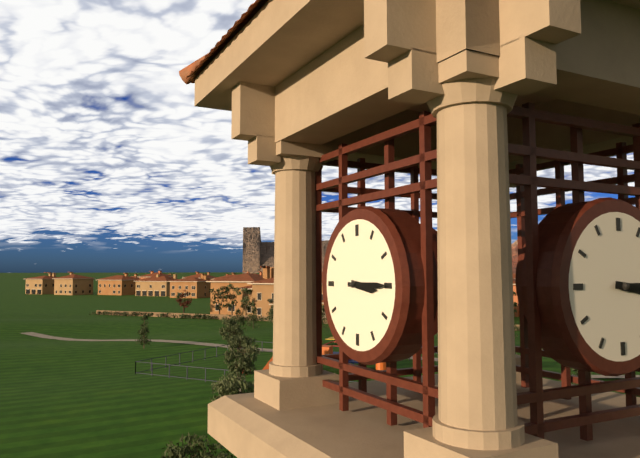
3.15
